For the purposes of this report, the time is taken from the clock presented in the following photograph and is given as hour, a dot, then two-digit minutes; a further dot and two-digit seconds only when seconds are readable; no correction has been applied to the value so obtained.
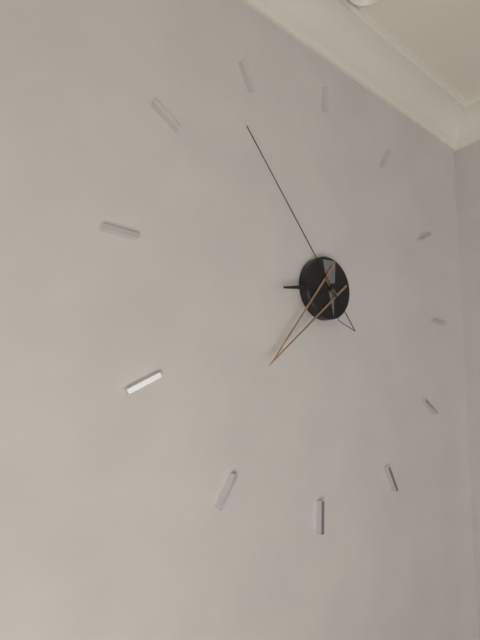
8.37.53
